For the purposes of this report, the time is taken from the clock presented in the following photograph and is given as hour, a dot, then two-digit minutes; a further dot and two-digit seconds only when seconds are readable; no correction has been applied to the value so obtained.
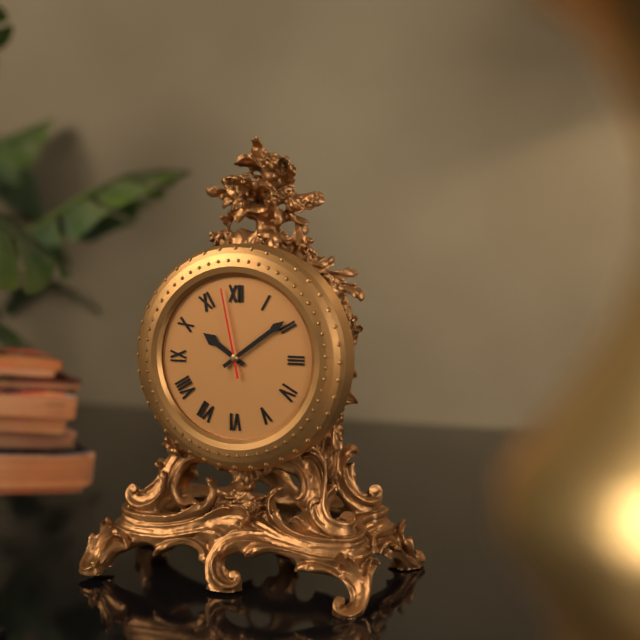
10.09.58
